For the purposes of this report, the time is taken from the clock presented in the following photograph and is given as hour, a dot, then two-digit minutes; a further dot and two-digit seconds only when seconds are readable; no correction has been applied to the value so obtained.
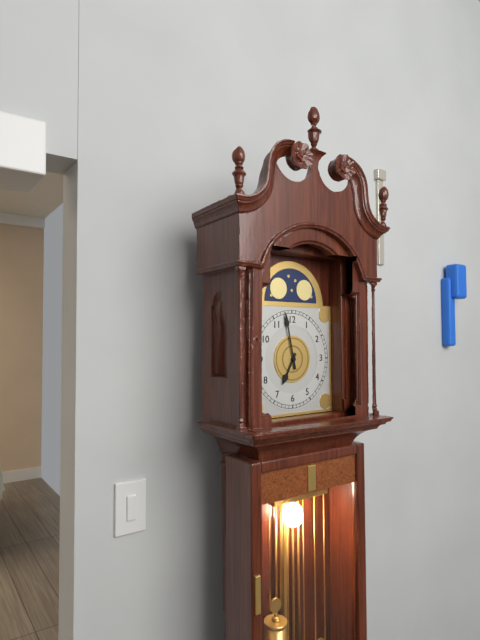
6.58
